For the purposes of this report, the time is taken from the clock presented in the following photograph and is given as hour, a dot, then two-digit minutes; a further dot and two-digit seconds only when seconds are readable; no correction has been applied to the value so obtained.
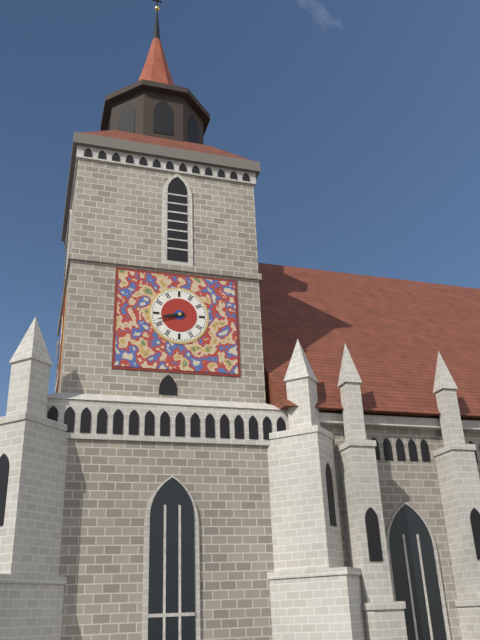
8.42
